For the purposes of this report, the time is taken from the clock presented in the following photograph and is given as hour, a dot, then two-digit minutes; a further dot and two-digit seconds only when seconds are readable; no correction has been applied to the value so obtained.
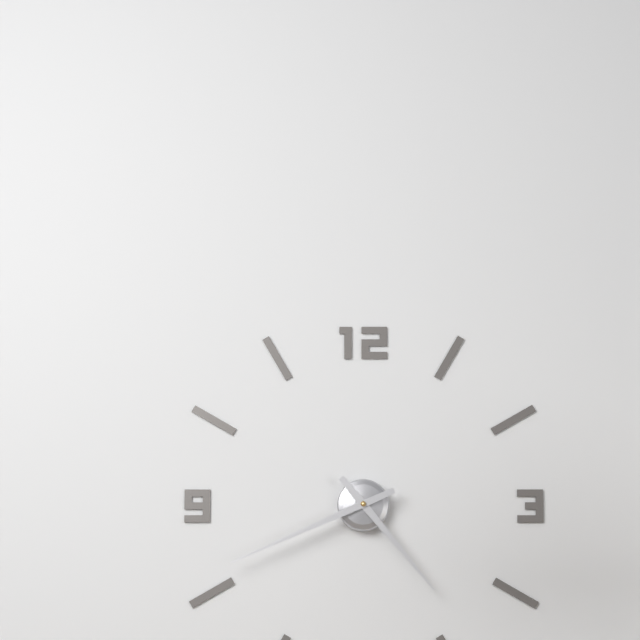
4.41
